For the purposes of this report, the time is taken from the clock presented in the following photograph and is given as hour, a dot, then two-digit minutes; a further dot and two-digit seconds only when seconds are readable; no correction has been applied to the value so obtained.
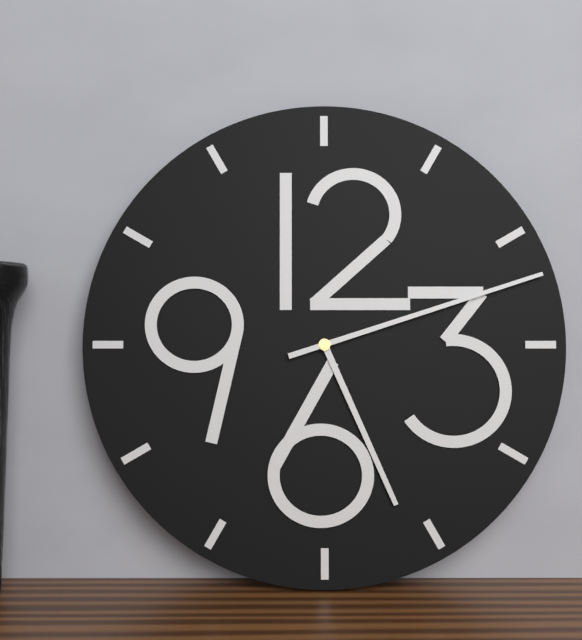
5.12
